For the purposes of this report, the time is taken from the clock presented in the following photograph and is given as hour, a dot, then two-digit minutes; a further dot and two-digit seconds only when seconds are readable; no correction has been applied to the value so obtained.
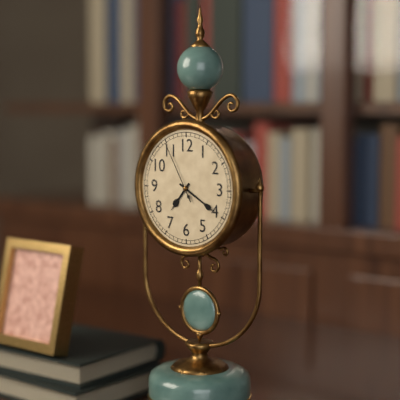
7.20.55
